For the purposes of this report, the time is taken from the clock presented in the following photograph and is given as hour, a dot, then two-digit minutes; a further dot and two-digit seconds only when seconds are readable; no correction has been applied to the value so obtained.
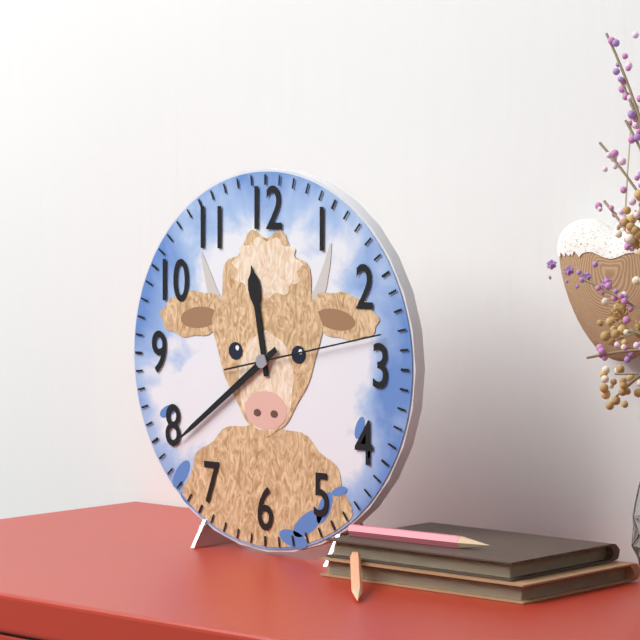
11.39.13
